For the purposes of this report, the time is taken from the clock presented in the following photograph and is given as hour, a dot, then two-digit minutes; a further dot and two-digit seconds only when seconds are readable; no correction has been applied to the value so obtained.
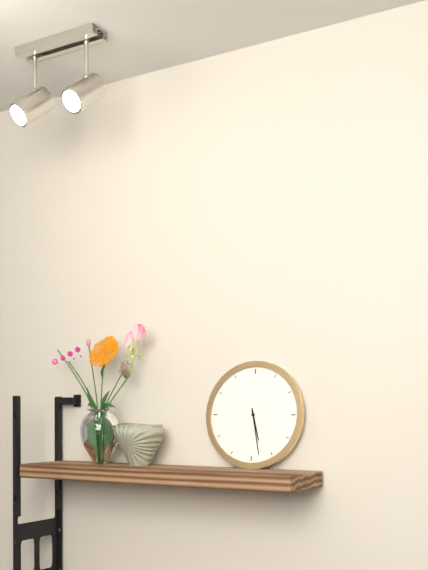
5.28
